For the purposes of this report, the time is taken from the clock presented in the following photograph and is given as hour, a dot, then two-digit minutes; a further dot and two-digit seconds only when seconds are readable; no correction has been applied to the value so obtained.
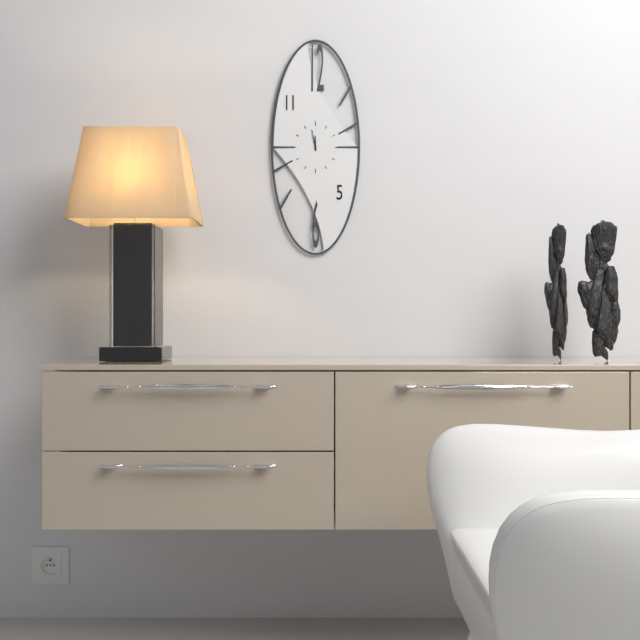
11.58
